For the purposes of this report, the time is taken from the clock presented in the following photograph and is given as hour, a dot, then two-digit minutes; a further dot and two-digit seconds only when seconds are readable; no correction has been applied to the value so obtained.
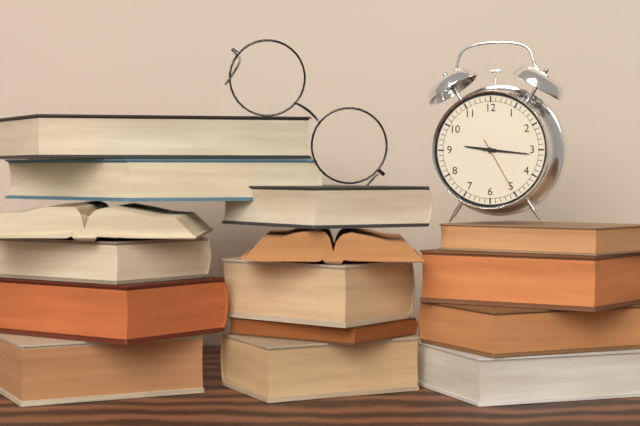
9.16.25
